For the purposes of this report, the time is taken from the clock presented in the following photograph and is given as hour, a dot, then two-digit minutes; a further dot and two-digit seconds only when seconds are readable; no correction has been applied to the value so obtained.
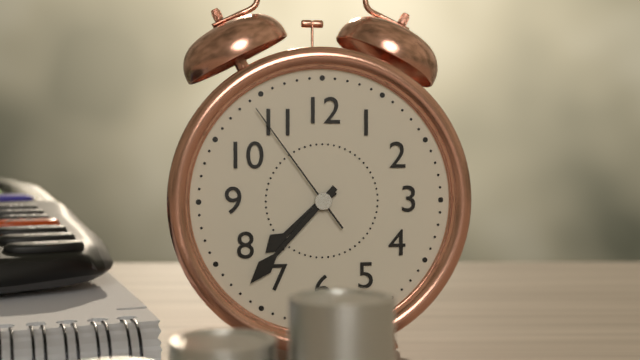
7.37.54
